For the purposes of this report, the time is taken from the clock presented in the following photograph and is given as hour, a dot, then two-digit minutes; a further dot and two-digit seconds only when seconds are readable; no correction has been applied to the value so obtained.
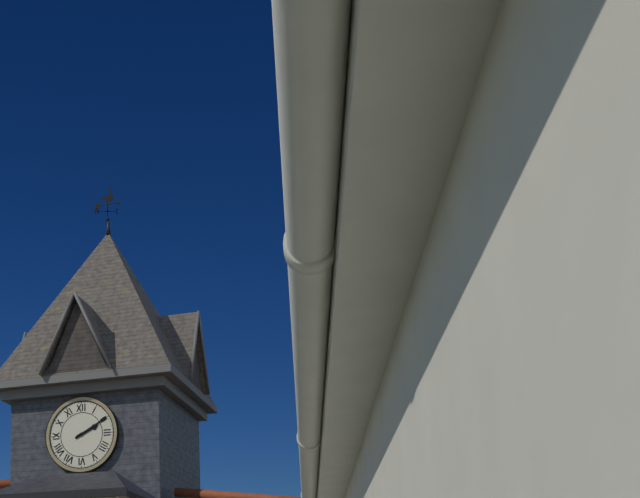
2.10
